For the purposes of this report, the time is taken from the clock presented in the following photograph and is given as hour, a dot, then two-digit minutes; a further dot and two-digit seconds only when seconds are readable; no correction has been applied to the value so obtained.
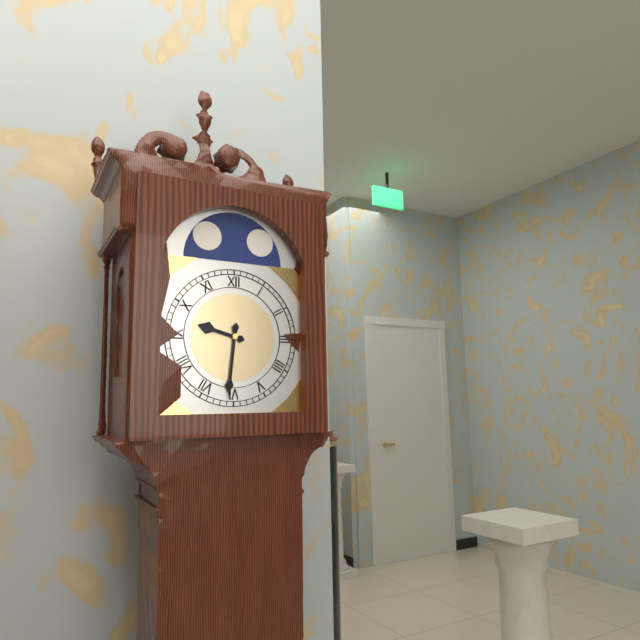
9.31
